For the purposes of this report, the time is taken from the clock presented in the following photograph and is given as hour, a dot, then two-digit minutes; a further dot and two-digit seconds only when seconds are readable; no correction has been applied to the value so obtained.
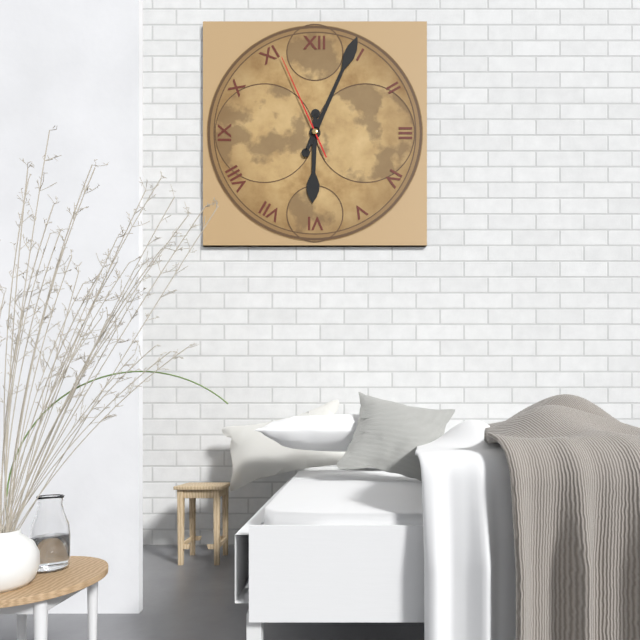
6.04.56
